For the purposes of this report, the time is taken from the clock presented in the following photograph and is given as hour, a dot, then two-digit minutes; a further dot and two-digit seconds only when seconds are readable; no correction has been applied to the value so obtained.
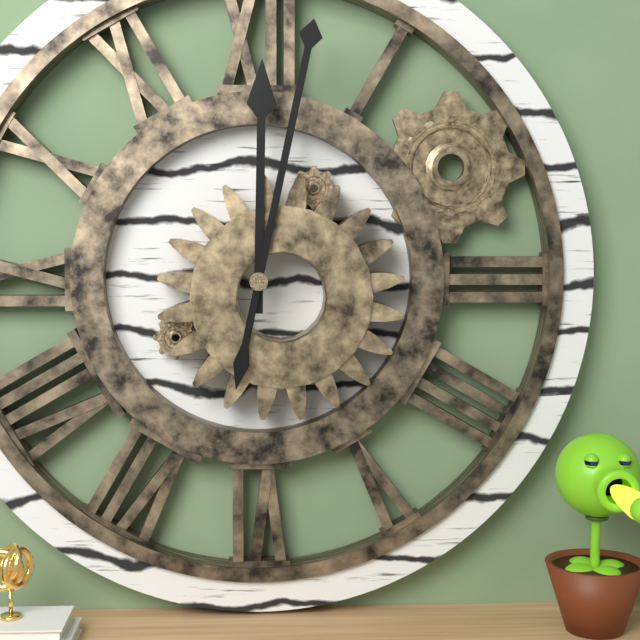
12.02
